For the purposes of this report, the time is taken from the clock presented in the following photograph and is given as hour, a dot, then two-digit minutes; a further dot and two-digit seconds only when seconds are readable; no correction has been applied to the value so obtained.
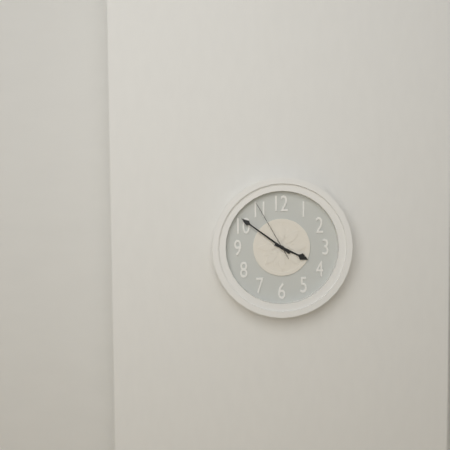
3.51.55
